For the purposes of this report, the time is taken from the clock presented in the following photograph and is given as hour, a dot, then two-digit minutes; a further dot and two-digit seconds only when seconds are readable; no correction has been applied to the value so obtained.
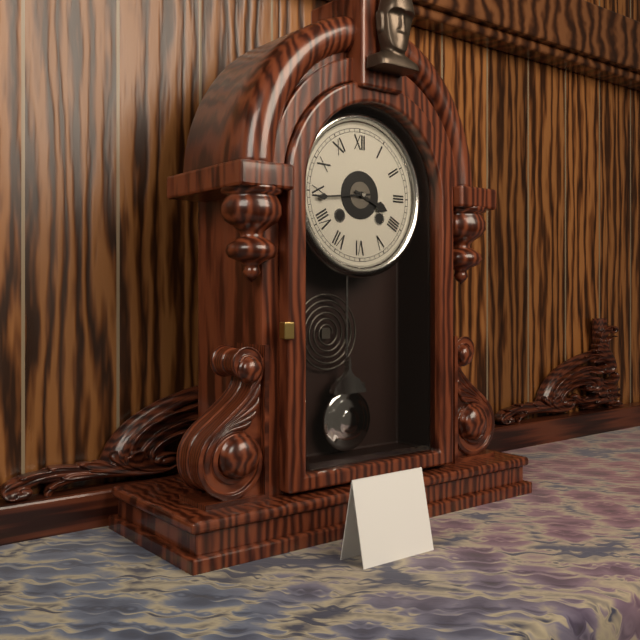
3.44
